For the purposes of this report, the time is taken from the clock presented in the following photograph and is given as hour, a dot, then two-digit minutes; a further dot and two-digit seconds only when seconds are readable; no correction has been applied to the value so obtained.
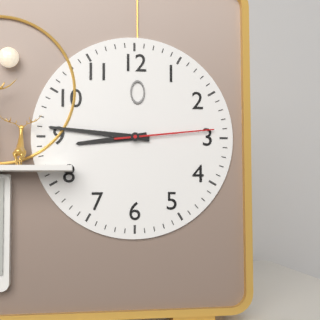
8.46.14
